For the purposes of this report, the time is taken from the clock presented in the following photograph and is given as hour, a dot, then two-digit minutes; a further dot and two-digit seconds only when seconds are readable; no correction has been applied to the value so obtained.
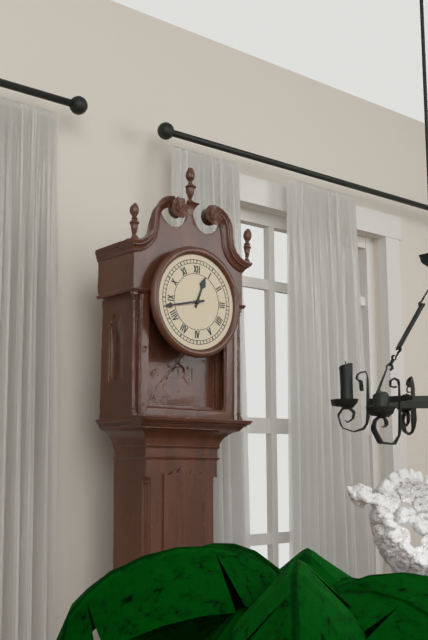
12.43
